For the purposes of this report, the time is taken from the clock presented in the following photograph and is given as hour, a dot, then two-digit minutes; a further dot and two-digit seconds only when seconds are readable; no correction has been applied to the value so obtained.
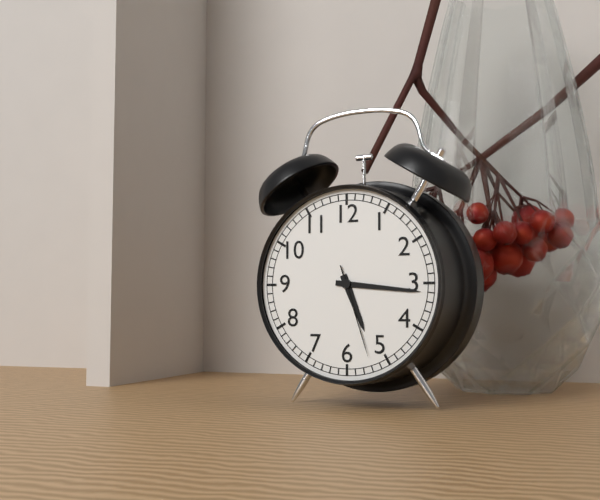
5.16.27
